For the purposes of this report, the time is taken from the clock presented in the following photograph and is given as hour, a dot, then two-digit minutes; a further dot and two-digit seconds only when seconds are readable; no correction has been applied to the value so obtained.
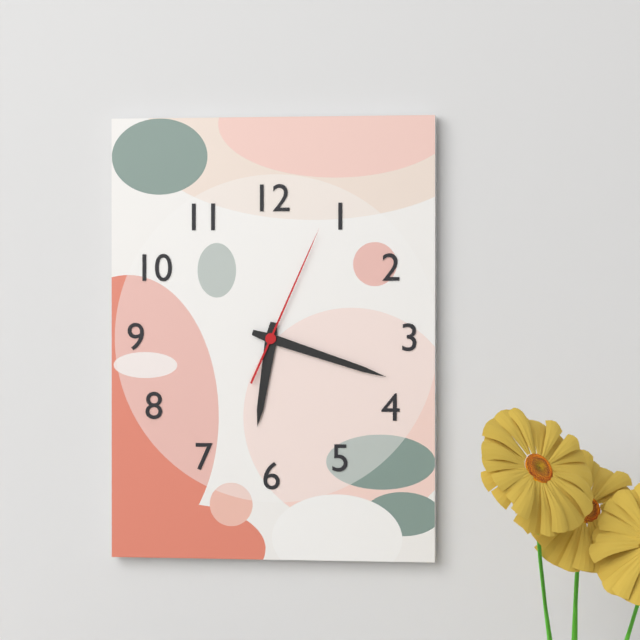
6.18.04
